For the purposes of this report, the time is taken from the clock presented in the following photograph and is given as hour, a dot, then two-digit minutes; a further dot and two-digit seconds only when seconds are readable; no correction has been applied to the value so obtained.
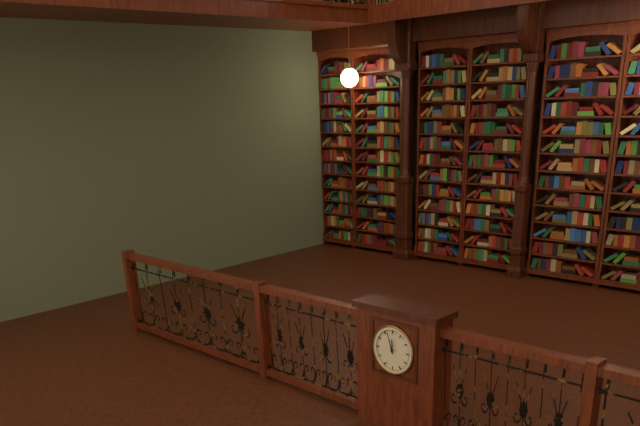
11.57
